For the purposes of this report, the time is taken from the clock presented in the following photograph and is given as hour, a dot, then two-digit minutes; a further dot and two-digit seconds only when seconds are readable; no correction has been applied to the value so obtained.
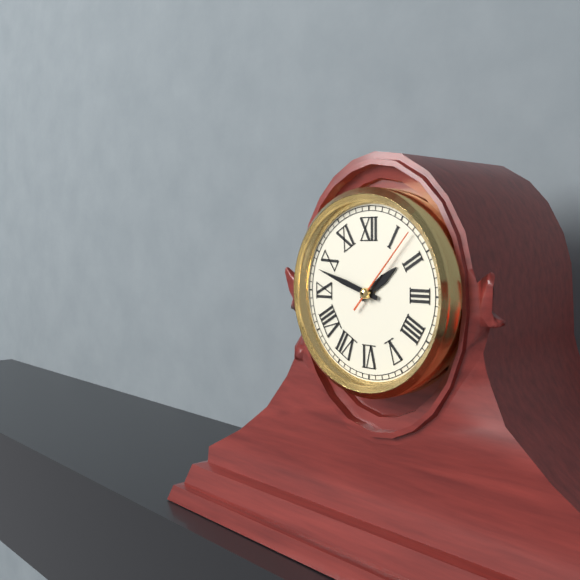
1.48.07
